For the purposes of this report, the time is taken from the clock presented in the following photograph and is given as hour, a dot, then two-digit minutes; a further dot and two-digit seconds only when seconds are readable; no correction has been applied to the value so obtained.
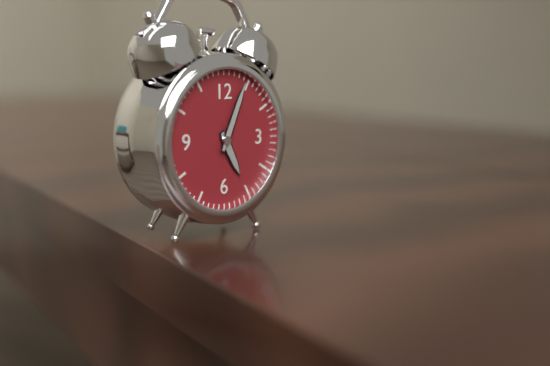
5.04
